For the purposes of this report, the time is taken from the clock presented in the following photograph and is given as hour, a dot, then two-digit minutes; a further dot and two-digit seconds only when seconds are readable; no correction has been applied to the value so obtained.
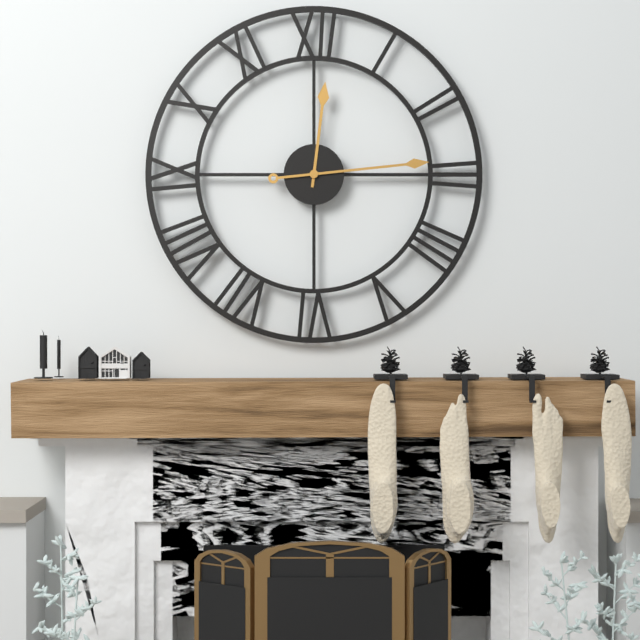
12.14
